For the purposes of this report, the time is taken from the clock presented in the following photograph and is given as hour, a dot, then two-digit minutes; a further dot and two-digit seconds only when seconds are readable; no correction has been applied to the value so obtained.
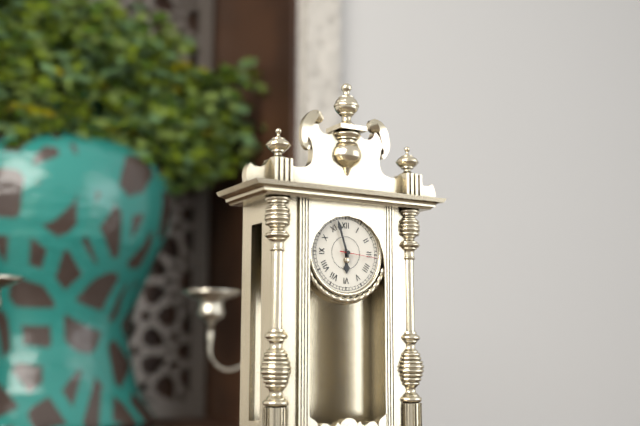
5.57
